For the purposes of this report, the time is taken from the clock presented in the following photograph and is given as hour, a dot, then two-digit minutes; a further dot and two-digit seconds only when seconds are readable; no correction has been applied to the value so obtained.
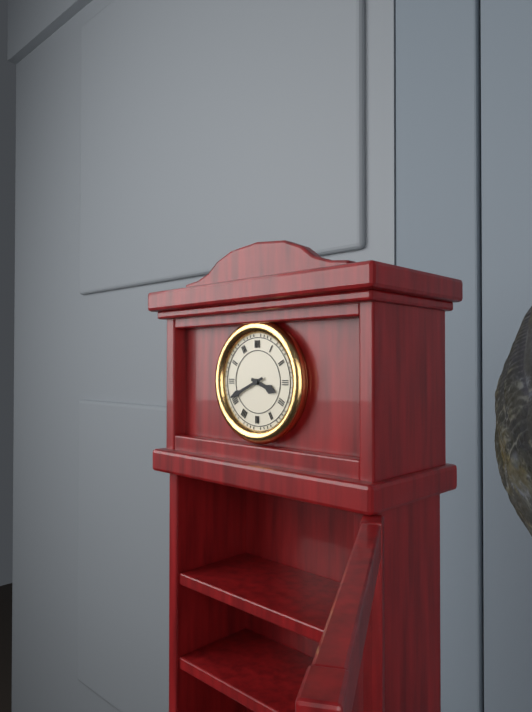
3.41
